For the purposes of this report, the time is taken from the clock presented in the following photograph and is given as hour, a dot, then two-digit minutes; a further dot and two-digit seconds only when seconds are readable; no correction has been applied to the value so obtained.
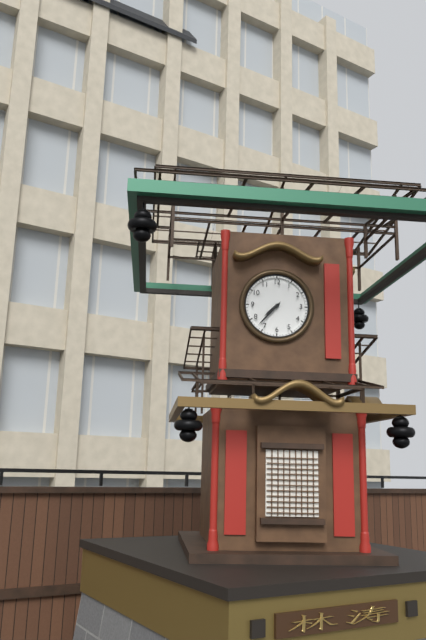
7.37
